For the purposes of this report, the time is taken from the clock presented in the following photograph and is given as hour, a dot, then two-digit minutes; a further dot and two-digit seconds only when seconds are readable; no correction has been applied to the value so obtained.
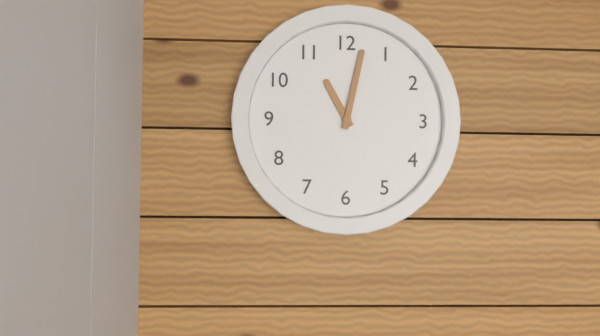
11.02
